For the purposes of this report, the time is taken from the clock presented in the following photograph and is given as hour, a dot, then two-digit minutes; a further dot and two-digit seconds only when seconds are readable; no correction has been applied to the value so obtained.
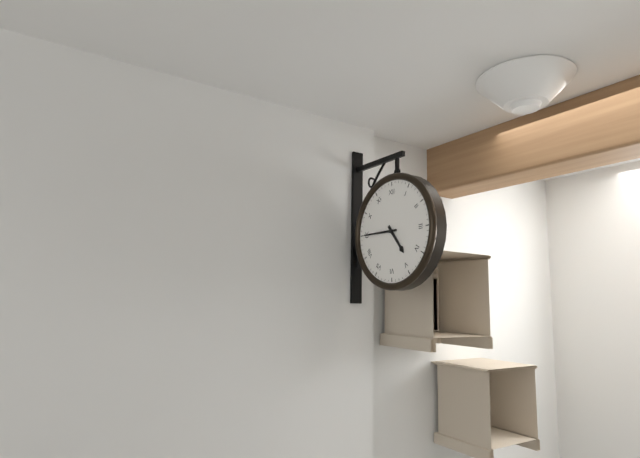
4.45
